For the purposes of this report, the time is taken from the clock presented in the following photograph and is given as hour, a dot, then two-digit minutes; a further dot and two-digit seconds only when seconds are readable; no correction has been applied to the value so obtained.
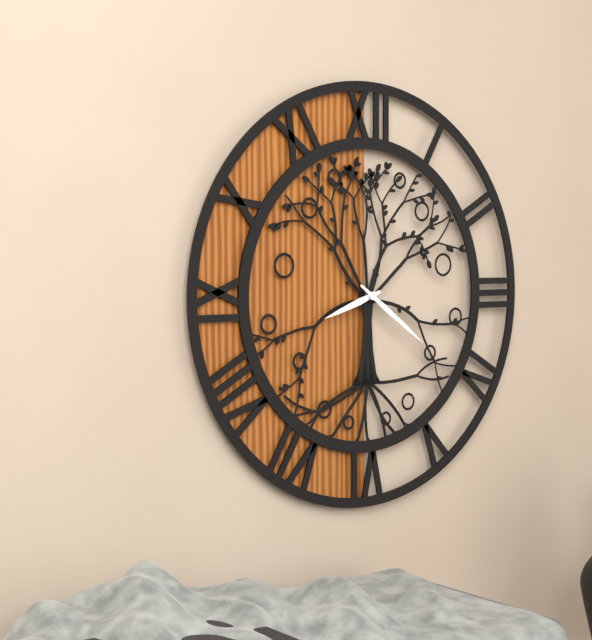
8.21
